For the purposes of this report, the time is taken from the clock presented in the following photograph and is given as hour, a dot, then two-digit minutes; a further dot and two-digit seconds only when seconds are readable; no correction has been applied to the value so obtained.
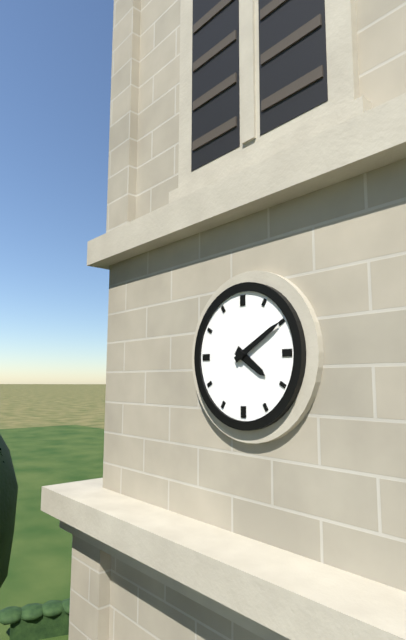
4.10
